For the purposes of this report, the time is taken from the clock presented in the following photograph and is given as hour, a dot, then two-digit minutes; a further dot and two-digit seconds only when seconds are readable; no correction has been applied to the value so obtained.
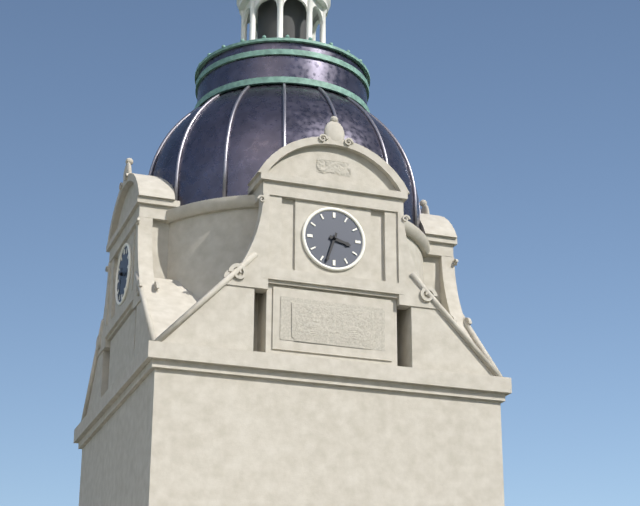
3.33
